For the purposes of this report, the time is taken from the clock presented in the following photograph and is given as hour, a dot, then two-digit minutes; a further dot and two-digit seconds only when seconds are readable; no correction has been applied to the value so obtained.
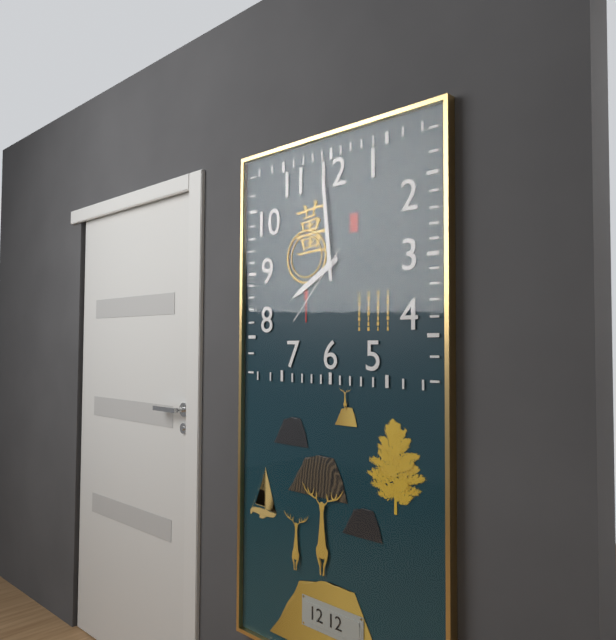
7.59.37
